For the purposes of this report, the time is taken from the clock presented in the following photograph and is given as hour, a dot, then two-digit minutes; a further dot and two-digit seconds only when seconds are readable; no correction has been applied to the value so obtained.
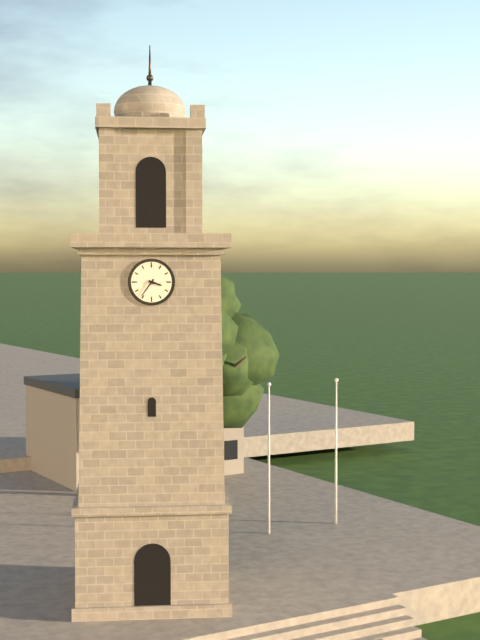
3.36
